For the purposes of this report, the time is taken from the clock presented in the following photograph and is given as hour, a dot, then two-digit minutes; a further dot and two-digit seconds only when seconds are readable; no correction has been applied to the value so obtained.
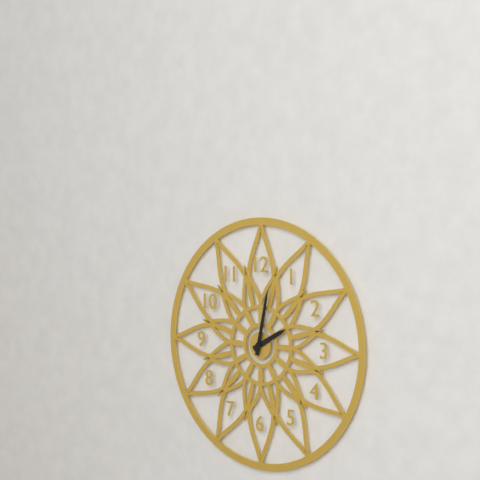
2.02
